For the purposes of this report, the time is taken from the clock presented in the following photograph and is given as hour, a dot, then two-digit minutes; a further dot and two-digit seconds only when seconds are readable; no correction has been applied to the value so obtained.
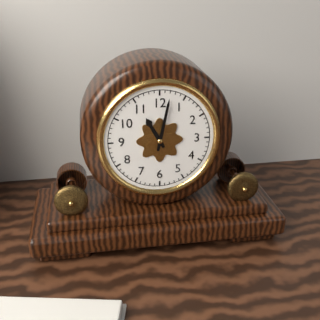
11.02
